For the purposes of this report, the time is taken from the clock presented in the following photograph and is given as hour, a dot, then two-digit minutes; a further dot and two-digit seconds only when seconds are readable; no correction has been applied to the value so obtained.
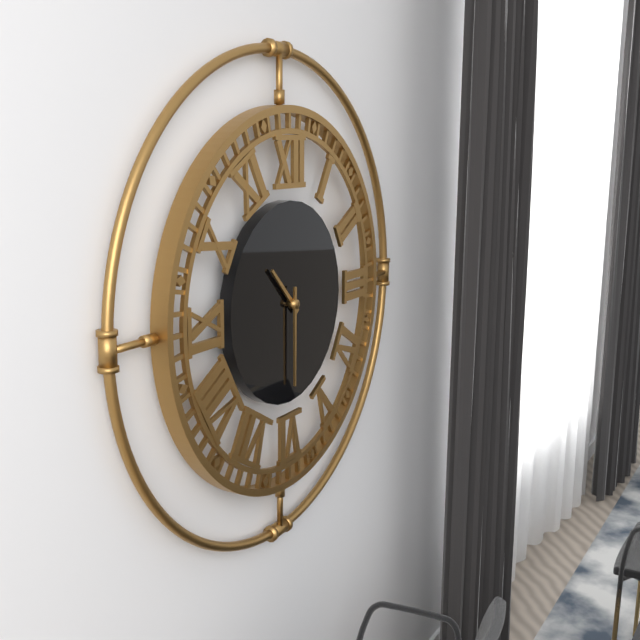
10.30
